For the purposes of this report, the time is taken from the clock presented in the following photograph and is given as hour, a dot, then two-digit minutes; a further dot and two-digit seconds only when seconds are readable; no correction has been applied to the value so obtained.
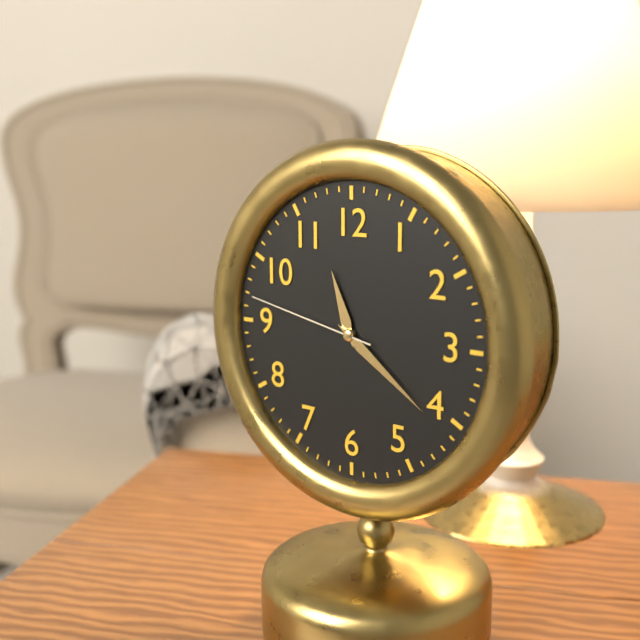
11.21.47
